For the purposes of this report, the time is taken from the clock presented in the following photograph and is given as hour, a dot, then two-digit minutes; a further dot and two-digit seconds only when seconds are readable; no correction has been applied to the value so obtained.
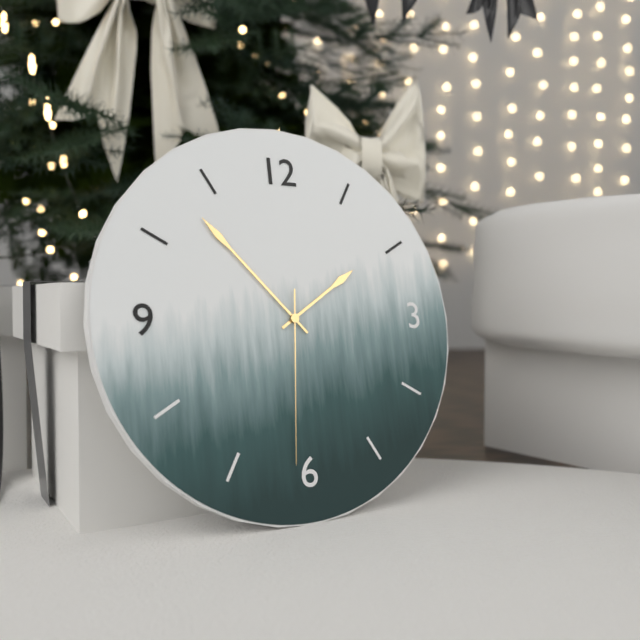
1.53.31
